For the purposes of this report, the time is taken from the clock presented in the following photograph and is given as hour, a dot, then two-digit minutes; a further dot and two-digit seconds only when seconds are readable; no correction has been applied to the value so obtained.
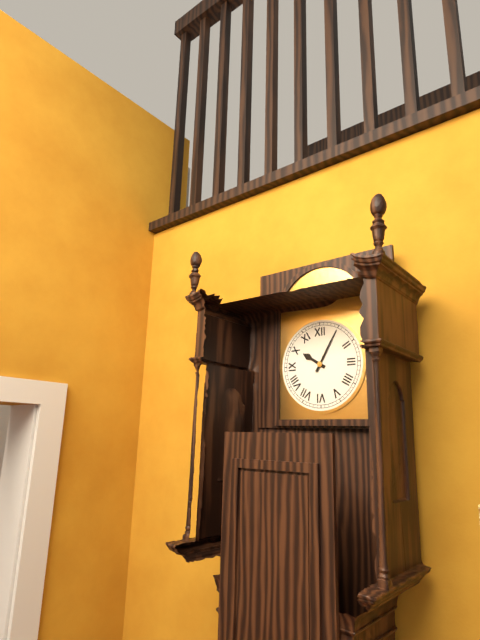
10.05
